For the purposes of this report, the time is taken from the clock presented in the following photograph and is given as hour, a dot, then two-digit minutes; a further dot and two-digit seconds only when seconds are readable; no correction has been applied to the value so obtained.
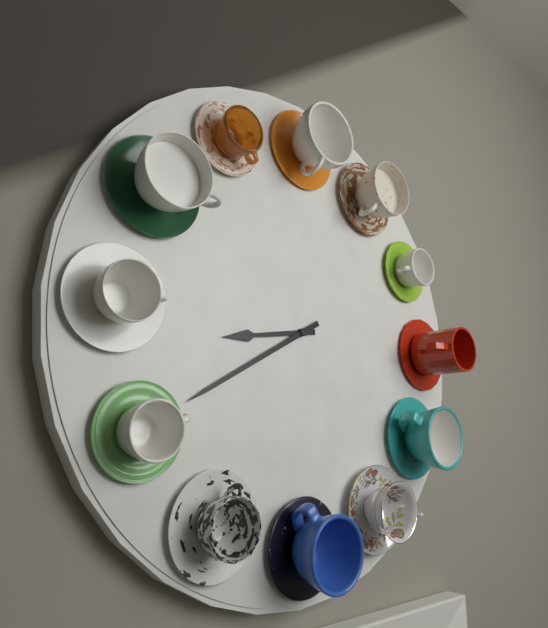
8.40
